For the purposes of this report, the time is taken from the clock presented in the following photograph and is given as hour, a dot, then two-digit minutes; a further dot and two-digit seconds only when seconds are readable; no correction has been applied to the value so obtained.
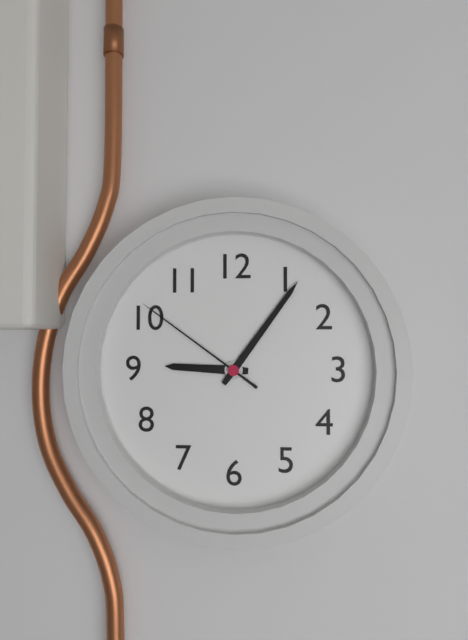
9.06.51
